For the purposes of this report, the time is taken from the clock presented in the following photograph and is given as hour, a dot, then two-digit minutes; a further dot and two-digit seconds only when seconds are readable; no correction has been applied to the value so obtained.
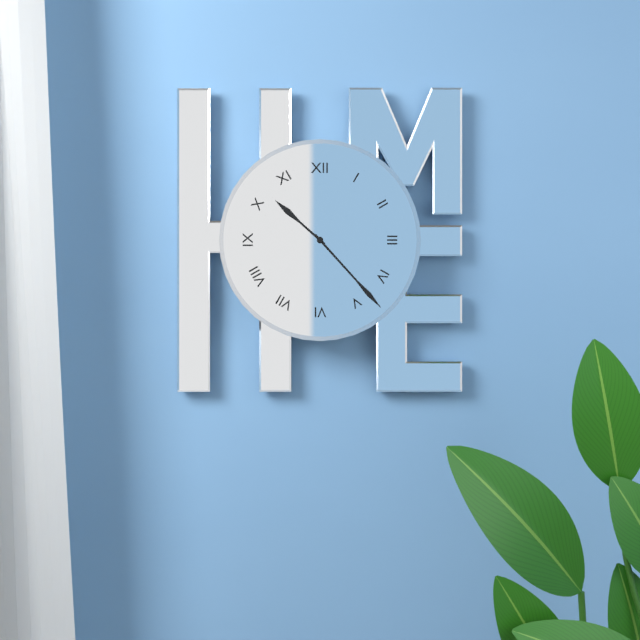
10.23
